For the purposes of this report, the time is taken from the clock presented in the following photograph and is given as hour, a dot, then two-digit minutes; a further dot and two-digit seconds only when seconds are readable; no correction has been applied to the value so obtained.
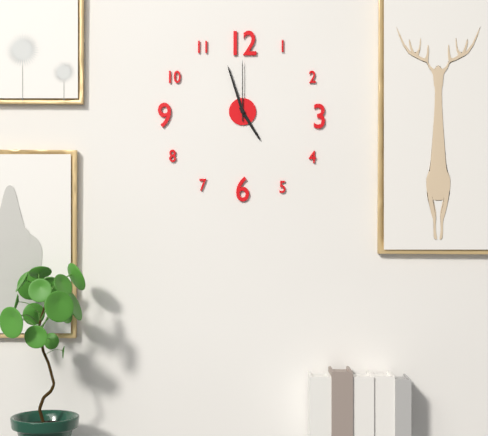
4.57.00
